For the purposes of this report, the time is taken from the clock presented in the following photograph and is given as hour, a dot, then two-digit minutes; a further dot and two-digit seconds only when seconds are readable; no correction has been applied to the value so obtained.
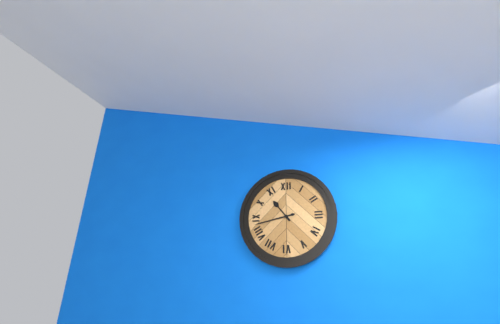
10.43
